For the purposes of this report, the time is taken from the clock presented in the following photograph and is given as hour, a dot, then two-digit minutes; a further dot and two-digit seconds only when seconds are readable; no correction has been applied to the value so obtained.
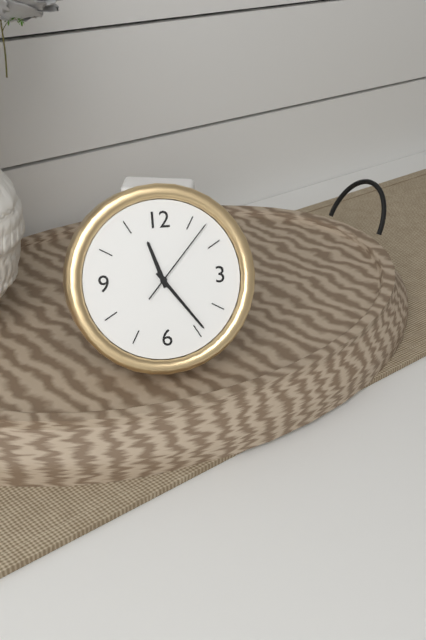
11.24.07
